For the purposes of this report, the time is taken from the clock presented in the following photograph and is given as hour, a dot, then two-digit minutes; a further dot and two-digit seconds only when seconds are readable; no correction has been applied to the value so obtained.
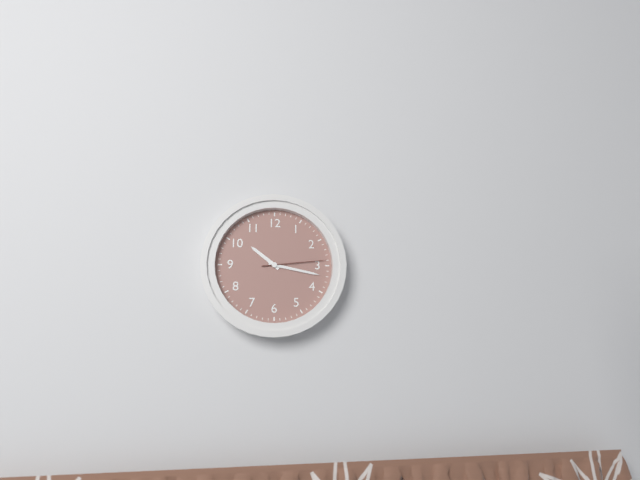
10.17.14
